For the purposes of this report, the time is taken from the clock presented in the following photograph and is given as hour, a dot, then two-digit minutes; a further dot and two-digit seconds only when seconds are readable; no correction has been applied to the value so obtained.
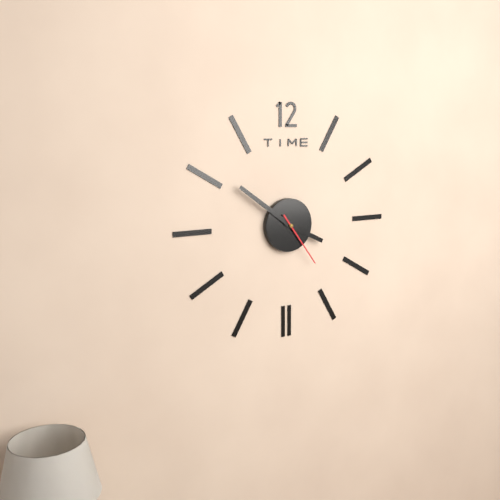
3.51.24
